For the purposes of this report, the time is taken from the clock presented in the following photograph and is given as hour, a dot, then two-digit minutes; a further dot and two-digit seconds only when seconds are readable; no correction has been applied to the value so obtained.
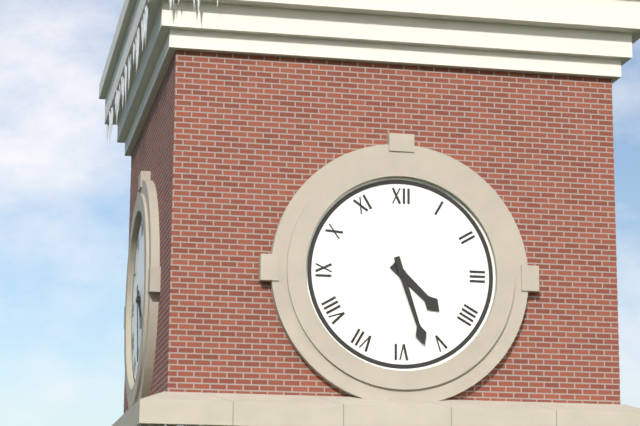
4.27
